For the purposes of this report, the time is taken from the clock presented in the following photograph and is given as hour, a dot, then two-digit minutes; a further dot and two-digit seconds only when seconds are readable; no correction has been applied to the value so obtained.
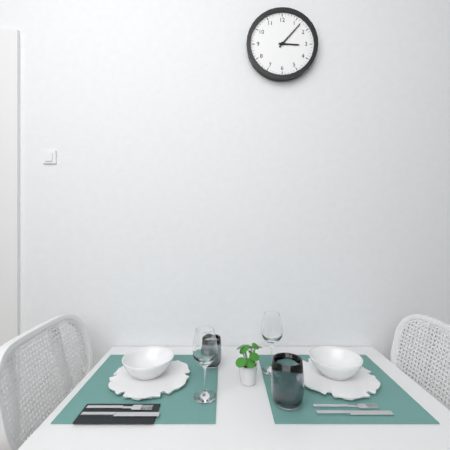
3.07
